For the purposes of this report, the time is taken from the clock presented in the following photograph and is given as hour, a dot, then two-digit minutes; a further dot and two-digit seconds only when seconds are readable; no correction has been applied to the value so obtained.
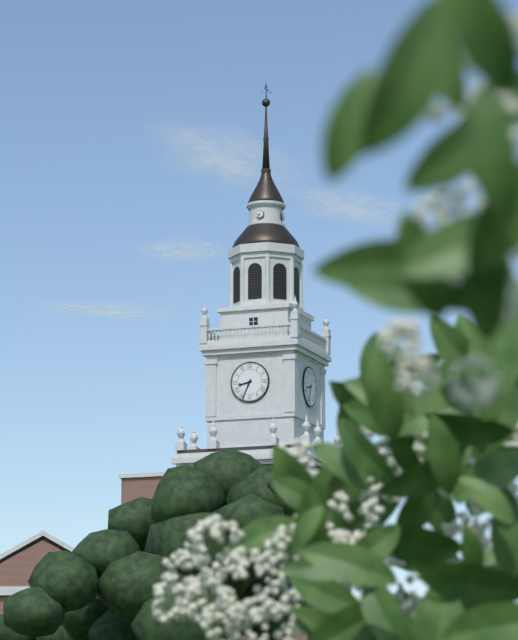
8.34
